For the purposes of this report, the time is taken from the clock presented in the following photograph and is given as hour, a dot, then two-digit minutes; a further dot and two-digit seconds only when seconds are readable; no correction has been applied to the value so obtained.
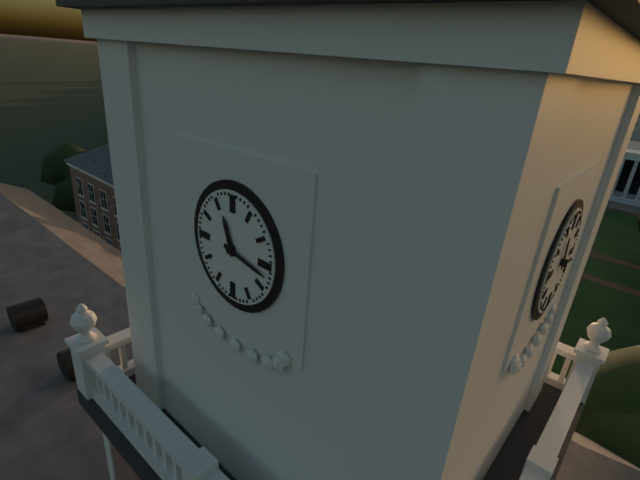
11.17
